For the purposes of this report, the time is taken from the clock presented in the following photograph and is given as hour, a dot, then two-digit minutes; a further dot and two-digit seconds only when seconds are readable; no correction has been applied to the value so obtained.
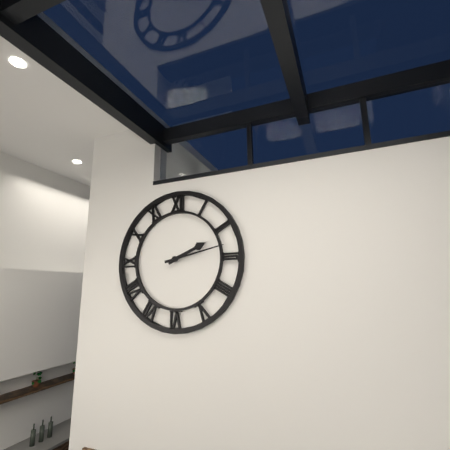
2.13
